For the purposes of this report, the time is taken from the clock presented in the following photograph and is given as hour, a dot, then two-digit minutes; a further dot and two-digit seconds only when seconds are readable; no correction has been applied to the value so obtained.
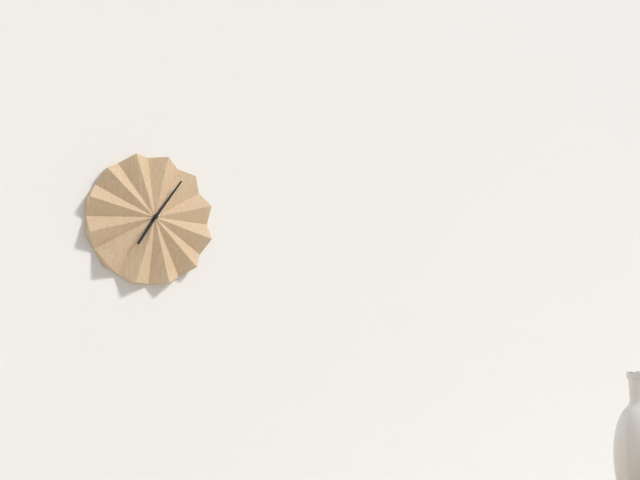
7.06
